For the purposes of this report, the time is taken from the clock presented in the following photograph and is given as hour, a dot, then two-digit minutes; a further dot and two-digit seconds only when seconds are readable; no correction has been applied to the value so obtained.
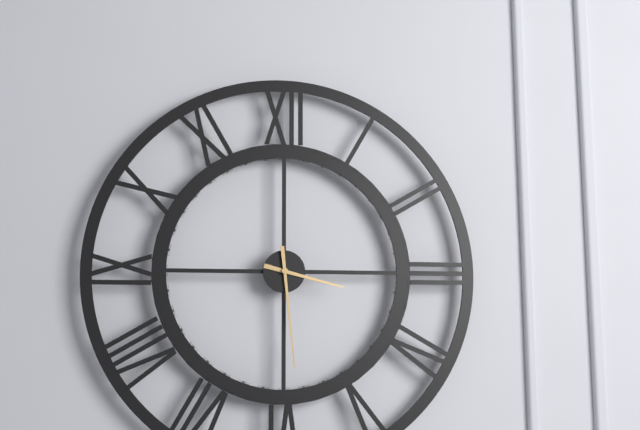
3.29
